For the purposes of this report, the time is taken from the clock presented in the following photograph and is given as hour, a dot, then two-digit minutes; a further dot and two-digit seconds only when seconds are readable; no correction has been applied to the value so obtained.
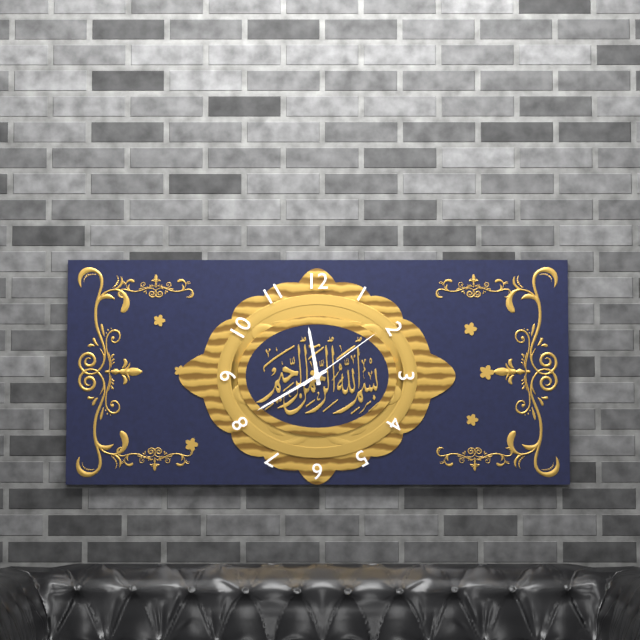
11.40.09
